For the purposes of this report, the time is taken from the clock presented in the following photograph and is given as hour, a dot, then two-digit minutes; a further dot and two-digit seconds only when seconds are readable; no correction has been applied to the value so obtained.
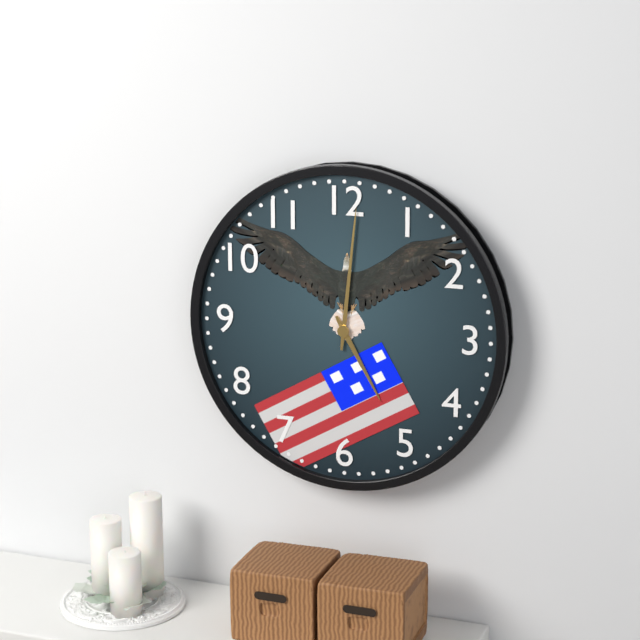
5.01
